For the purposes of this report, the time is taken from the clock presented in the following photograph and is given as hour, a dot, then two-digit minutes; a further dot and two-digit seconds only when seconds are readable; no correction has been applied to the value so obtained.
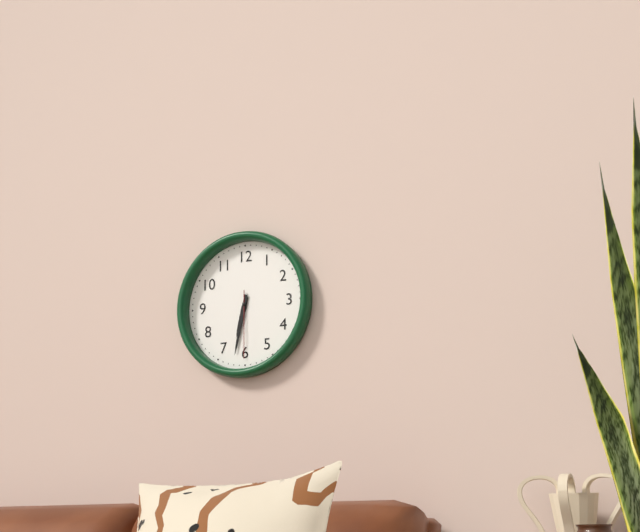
6.32.30
